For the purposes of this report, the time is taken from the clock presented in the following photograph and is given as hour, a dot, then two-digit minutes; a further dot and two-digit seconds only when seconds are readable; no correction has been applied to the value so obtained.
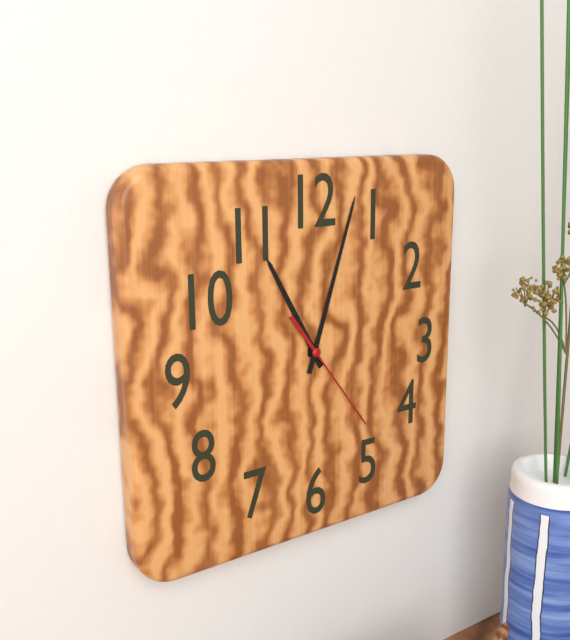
11.03.24
